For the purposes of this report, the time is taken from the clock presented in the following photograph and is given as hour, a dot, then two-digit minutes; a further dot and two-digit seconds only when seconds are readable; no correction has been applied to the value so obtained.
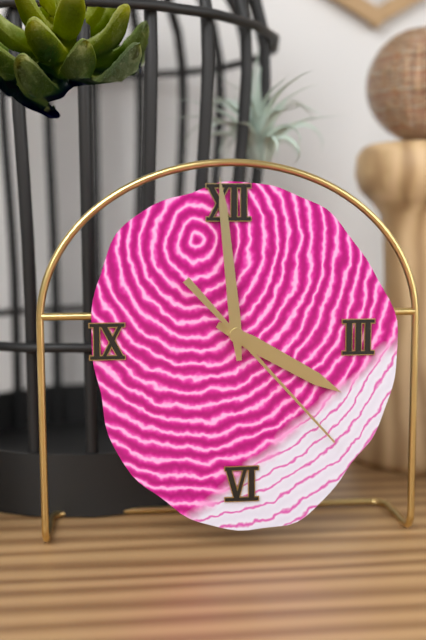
3.59.23
